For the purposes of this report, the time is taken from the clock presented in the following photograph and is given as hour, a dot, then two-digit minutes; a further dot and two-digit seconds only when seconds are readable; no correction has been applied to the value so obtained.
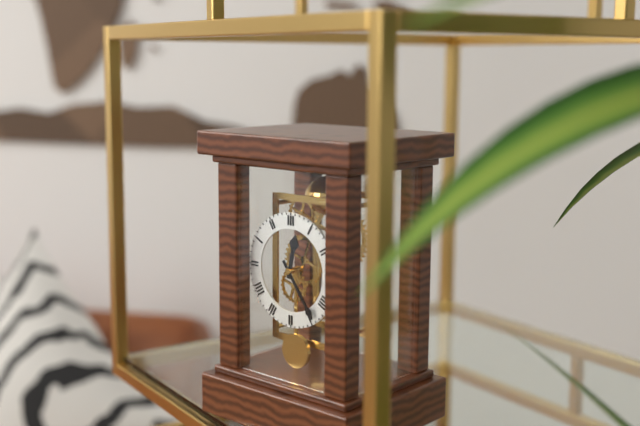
12.24
